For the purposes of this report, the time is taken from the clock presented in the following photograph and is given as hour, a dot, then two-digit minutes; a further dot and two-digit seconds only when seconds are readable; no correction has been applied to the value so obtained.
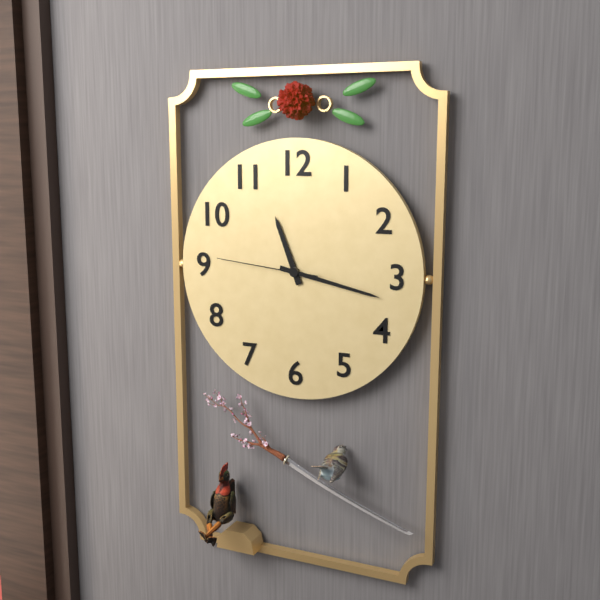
11.17.46
